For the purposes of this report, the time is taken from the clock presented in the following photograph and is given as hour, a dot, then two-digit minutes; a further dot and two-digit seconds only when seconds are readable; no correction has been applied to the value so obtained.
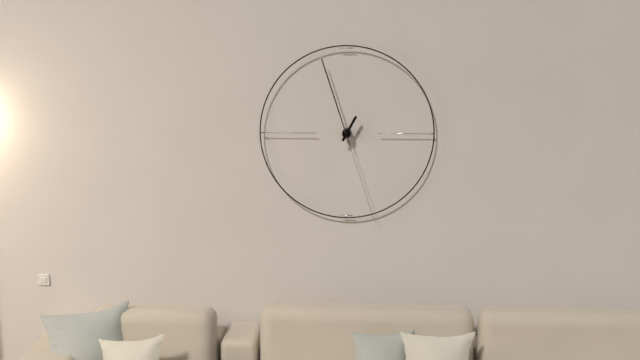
12.57.27
